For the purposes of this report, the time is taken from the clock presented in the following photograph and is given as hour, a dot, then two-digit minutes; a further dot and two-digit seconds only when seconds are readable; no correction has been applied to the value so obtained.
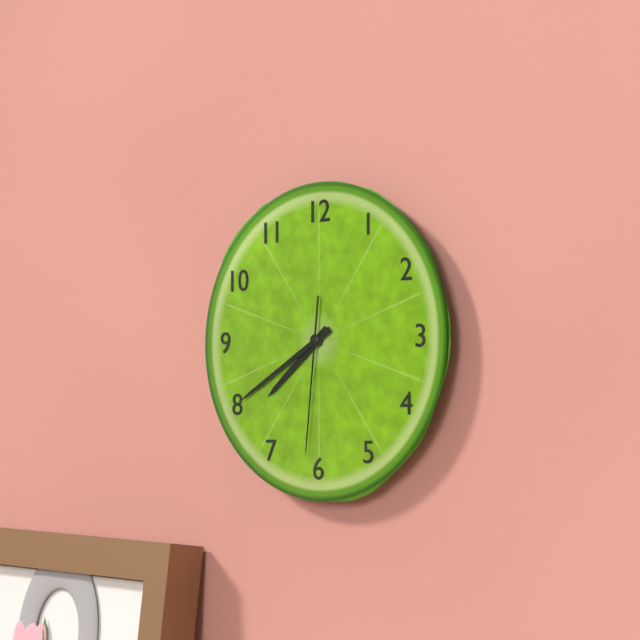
7.40.31
